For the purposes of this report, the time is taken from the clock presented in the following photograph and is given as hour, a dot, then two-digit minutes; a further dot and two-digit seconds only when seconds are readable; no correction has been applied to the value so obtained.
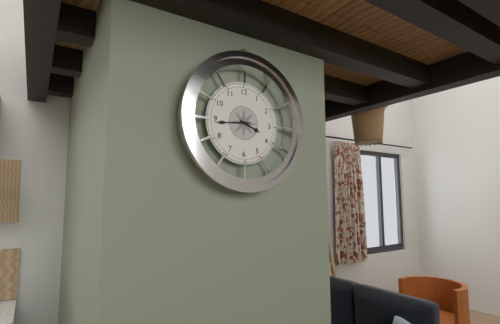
3.44
